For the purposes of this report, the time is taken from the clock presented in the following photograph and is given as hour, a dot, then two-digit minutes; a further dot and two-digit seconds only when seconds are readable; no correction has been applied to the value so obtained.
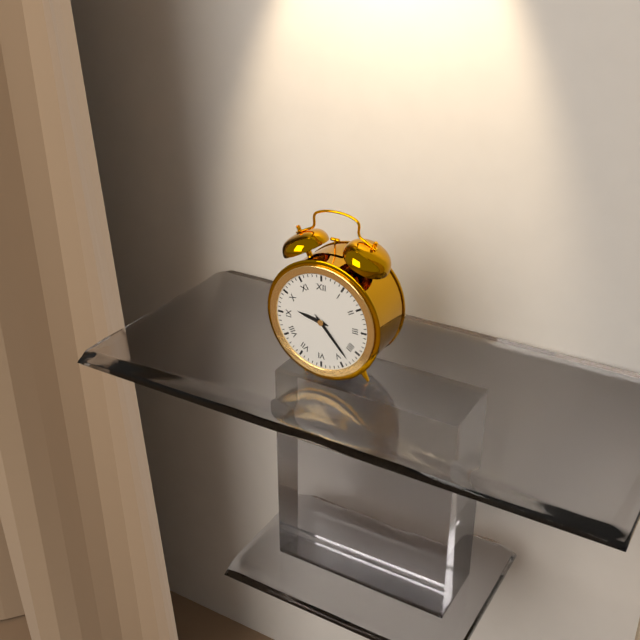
9.23
